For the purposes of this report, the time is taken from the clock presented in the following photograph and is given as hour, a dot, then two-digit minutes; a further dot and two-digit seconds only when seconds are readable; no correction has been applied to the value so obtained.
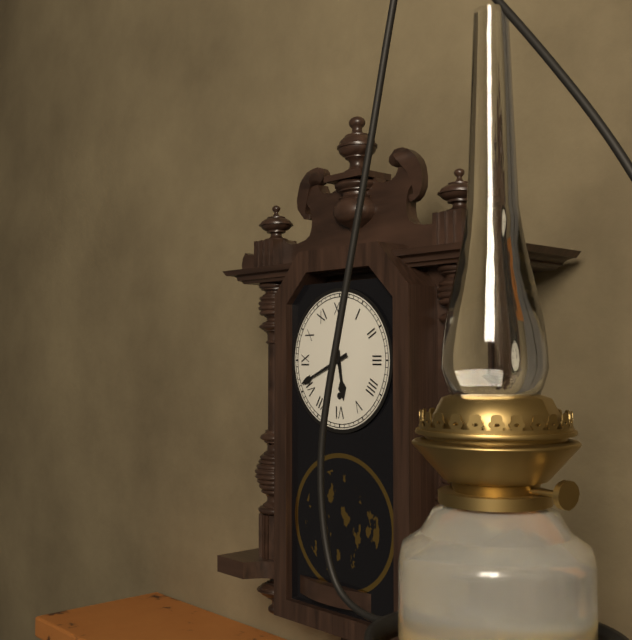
5.41
